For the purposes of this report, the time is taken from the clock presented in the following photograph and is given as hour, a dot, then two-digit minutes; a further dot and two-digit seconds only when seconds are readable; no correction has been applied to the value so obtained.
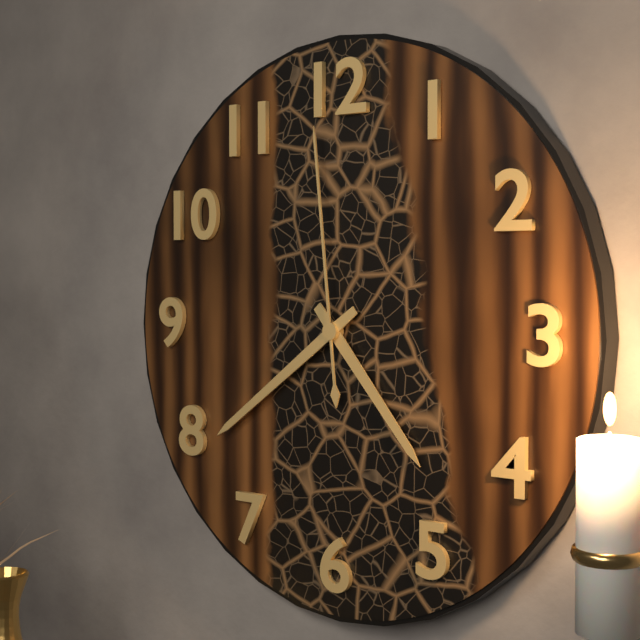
4.39.59
